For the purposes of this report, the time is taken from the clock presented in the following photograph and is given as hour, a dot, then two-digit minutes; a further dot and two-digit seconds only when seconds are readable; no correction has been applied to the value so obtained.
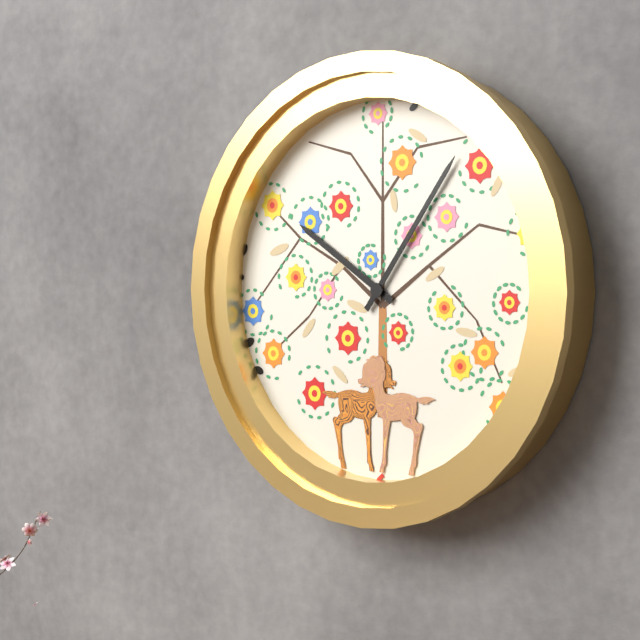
10.06
